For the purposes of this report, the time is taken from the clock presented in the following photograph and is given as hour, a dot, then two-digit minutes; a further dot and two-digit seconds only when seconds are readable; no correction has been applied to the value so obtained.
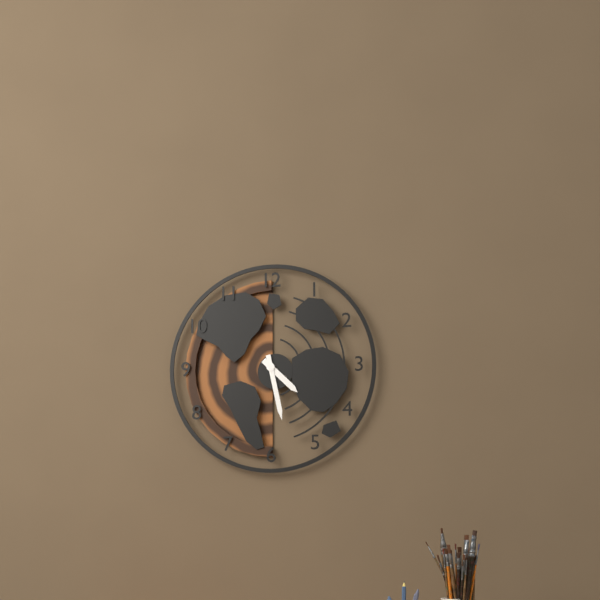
4.28
